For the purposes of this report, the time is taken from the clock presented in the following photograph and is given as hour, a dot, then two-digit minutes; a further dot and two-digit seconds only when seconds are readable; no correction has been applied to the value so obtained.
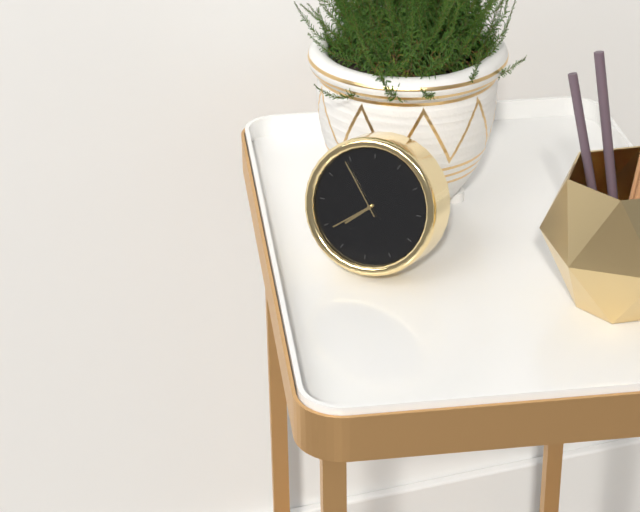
7.39.54
